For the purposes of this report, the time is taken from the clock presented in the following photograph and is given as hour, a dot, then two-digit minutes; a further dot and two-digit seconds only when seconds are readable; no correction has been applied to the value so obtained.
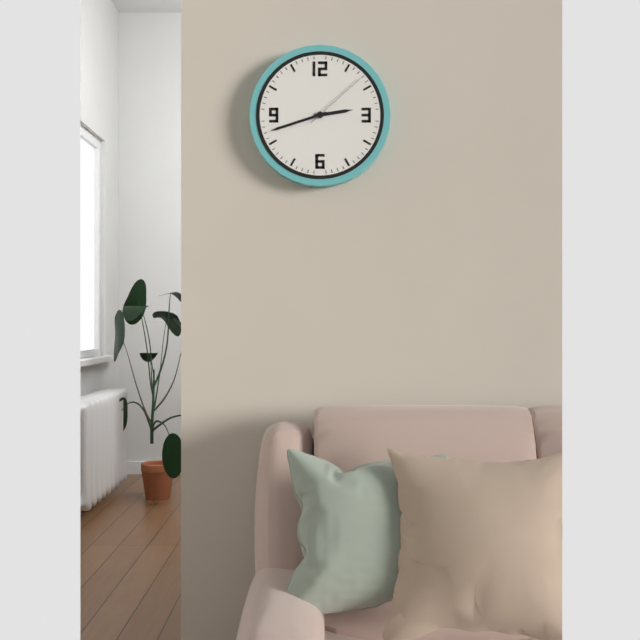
2.42.08
